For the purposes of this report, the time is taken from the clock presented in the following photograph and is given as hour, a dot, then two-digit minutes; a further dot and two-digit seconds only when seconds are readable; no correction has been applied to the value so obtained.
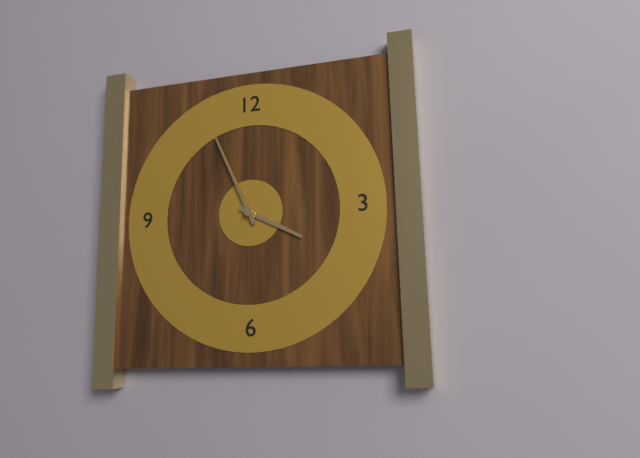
3.56
